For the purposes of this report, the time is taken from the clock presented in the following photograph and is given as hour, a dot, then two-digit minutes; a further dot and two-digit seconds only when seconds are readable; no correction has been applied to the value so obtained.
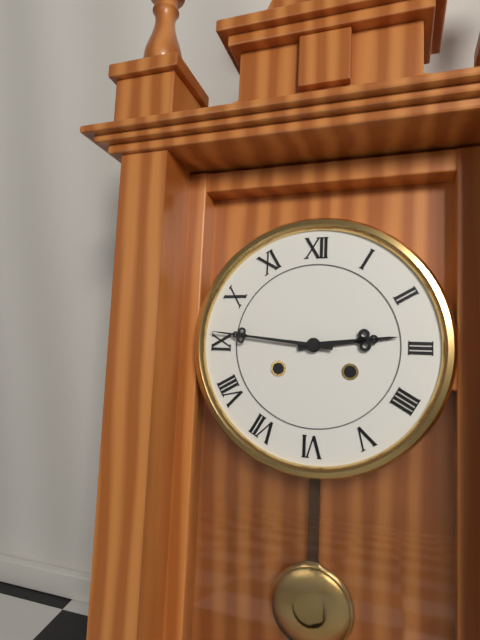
2.46
